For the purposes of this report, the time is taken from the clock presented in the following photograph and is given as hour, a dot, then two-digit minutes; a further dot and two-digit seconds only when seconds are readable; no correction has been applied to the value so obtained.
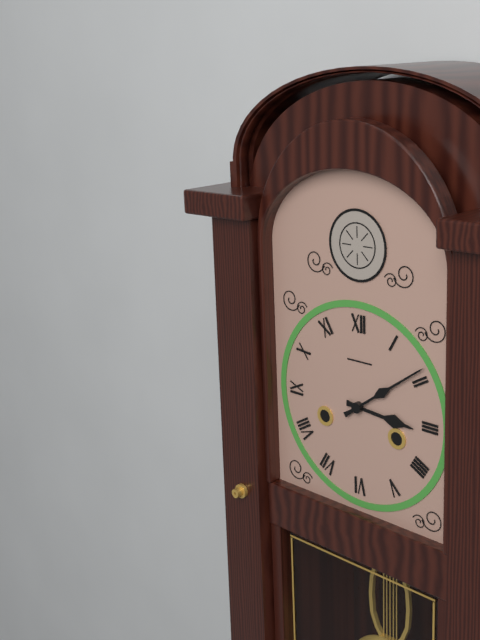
3.09
